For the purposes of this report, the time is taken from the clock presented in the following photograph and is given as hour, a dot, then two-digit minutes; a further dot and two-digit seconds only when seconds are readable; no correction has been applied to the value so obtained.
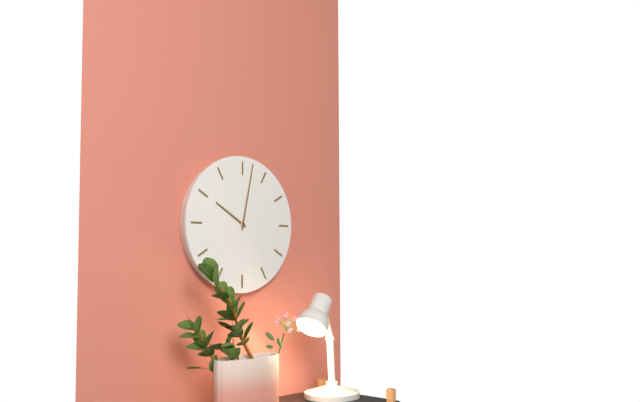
10.02
